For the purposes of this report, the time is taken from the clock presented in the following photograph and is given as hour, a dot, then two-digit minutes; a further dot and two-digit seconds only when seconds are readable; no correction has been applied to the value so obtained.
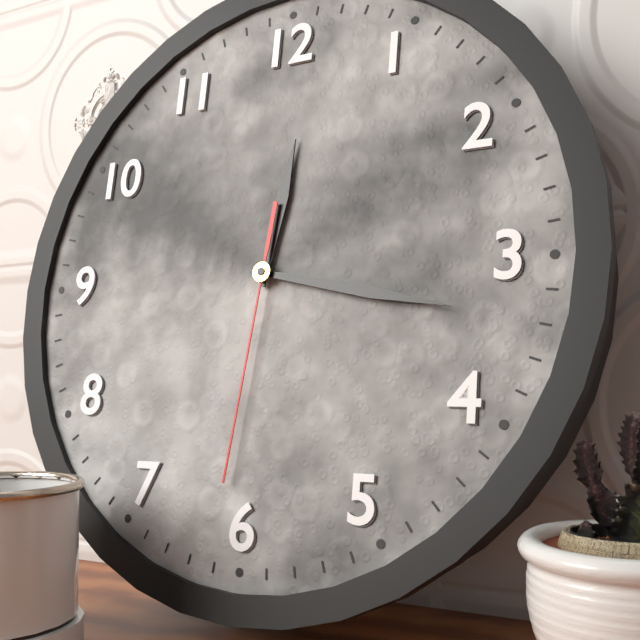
12.17.31
